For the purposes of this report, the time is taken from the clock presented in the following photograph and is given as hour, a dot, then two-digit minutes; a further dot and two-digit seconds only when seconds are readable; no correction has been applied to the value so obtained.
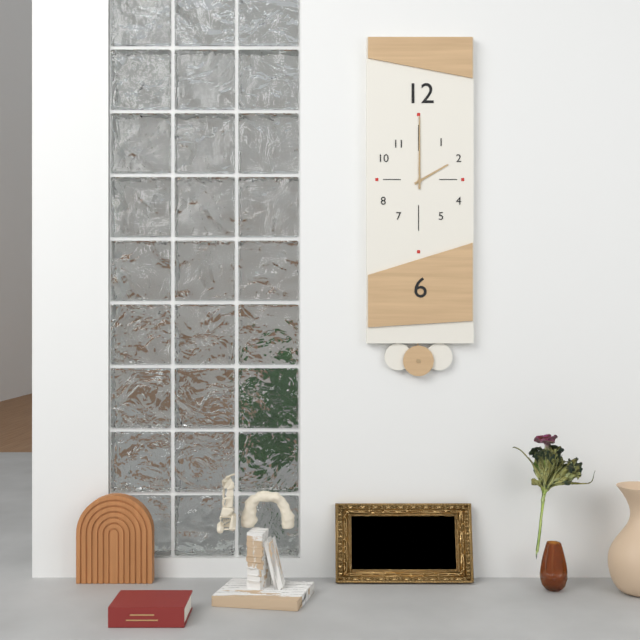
2.00
